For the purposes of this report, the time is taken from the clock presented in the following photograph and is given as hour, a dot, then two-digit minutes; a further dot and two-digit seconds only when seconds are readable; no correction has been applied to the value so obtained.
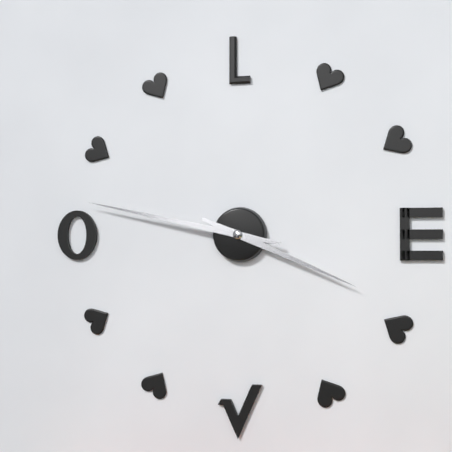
3.47
